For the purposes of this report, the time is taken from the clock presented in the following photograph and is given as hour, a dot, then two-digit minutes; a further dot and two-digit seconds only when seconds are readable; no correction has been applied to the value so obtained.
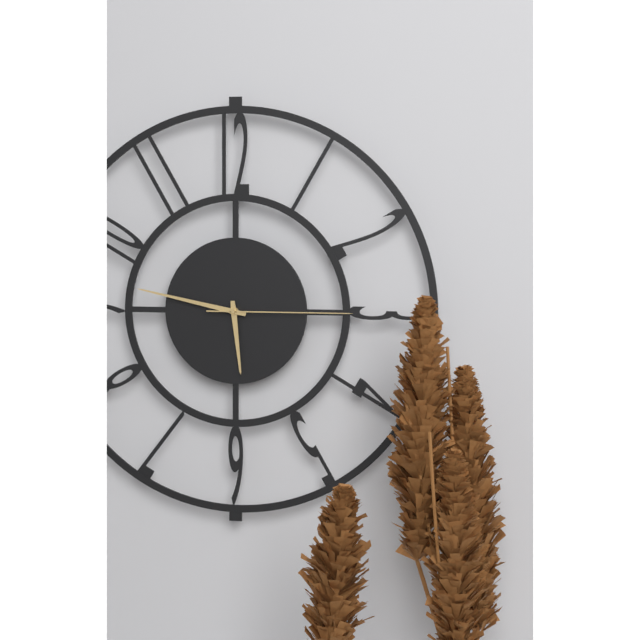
5.47.15
